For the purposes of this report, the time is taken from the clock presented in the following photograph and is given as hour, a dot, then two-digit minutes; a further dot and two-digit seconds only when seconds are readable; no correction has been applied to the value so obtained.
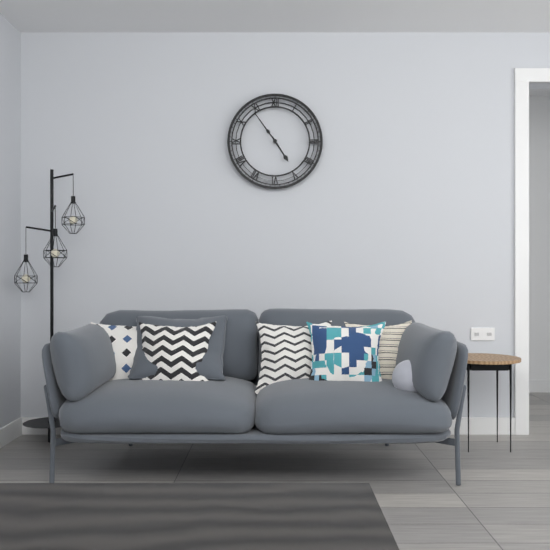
4.54
